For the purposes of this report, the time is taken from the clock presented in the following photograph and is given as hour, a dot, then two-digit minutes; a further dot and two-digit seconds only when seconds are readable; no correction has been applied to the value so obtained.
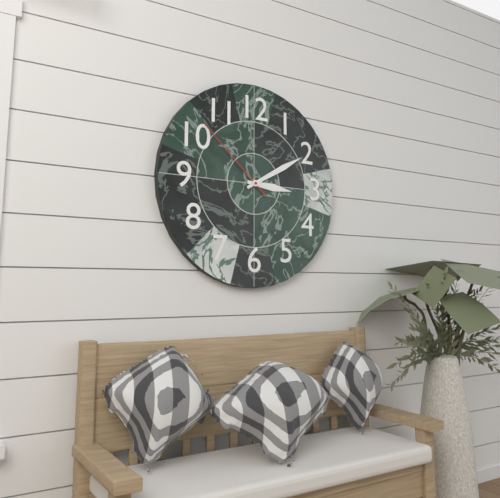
3.10.52
